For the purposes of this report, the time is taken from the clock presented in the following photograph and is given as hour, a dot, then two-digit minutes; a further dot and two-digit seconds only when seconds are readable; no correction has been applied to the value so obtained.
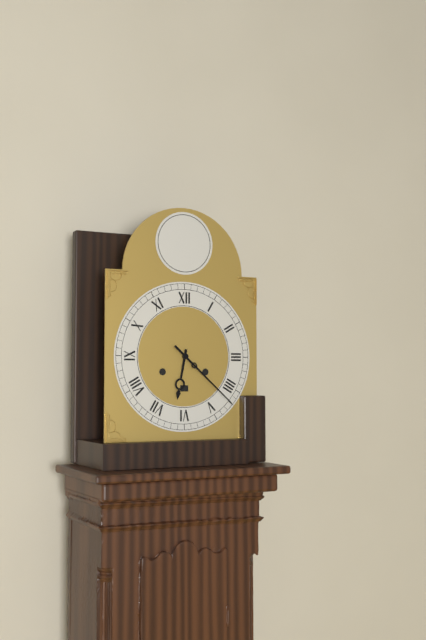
6.22
